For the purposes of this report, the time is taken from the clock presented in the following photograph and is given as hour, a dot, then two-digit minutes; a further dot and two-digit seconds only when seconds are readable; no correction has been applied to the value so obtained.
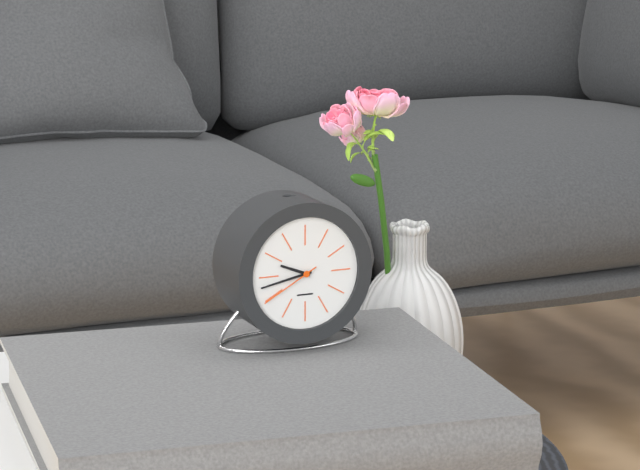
9.43.40
